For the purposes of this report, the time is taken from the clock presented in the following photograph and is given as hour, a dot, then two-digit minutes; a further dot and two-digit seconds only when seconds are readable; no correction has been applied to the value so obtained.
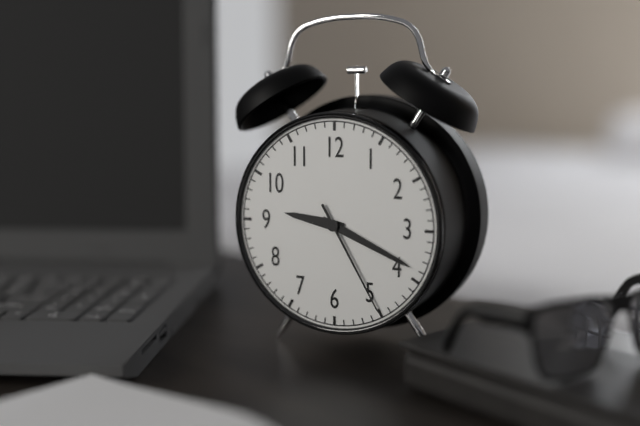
9.19.25
